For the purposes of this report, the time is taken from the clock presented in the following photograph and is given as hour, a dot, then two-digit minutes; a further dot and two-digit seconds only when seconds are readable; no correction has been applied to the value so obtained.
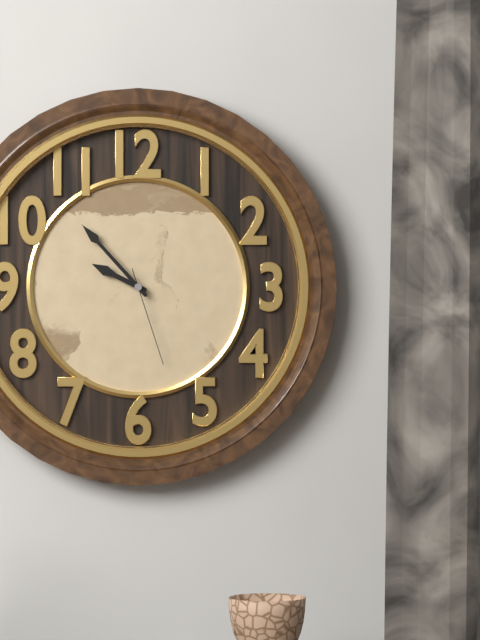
9.53.27
